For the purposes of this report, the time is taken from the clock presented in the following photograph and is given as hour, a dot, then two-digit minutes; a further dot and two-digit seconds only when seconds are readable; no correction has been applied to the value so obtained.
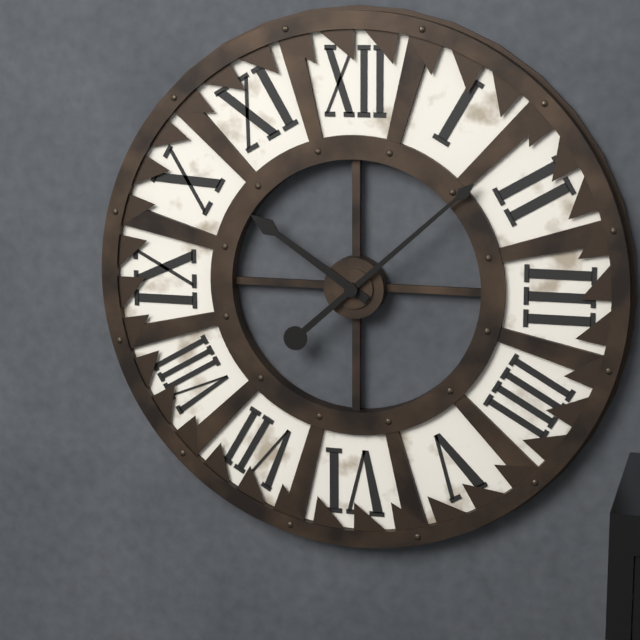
10.08
